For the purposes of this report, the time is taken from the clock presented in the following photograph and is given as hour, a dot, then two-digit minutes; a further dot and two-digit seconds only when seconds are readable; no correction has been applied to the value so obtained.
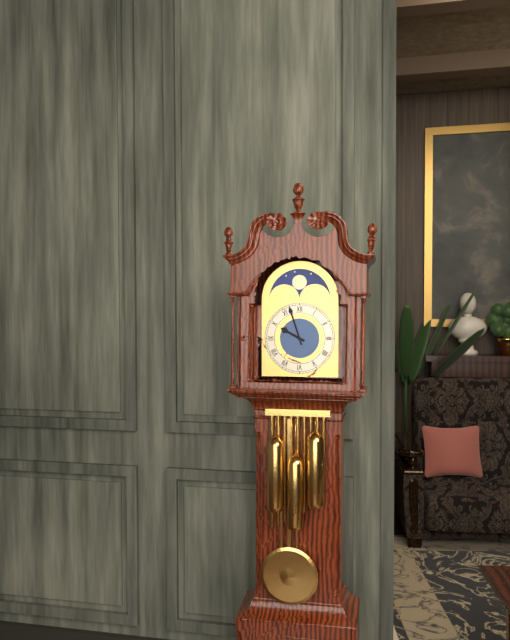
9.57
